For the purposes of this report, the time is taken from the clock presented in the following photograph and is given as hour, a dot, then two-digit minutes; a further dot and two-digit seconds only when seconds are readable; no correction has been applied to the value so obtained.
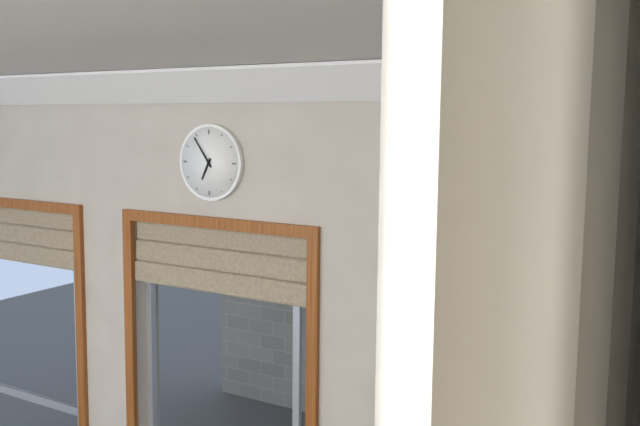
6.54
